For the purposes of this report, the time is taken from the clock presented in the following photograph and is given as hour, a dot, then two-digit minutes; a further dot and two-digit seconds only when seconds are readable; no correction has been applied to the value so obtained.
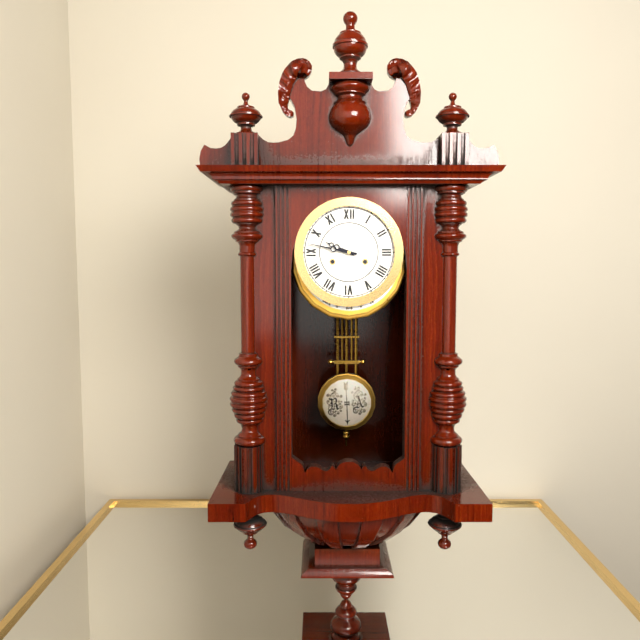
9.47
